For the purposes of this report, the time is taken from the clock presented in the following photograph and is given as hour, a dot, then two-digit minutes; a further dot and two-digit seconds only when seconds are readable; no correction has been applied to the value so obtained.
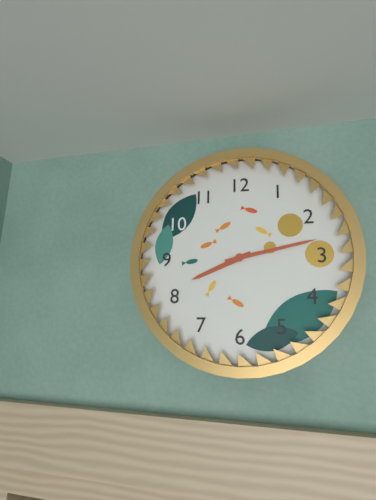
8.13
